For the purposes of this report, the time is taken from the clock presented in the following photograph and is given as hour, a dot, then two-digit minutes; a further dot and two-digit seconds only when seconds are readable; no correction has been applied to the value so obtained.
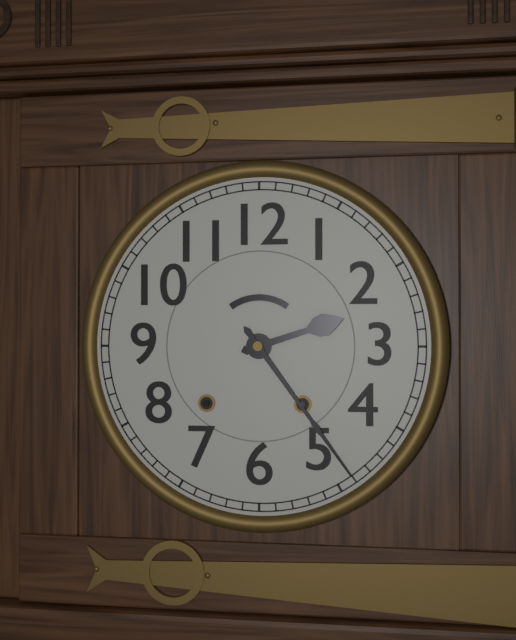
2.24
